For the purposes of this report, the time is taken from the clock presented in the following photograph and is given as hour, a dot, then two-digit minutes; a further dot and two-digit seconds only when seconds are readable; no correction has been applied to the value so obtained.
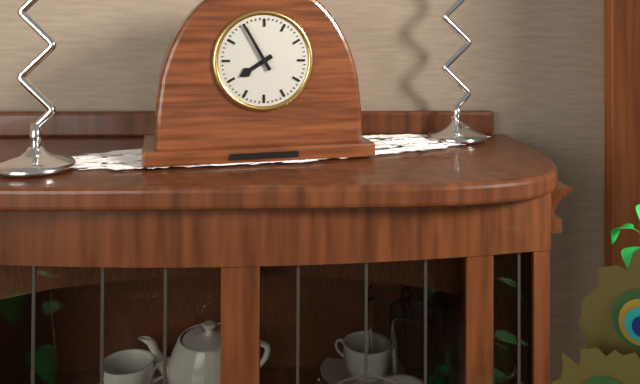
7.55
